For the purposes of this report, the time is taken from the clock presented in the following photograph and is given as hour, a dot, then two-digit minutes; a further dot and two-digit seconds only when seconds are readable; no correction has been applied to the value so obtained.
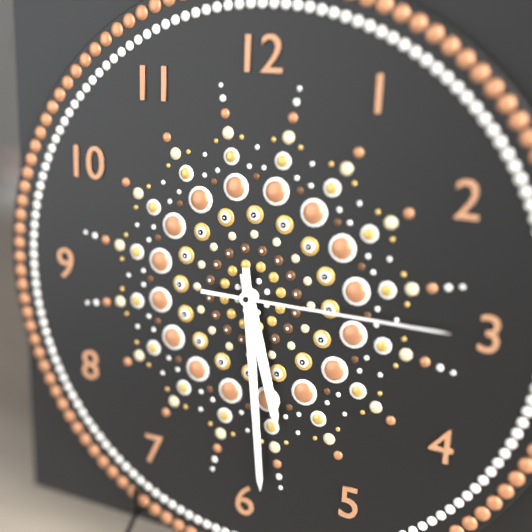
5.29.15
